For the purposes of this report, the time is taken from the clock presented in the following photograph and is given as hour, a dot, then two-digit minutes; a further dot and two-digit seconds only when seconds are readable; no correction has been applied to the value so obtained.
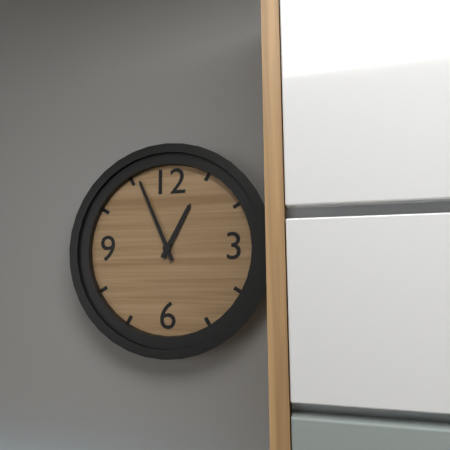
12.56
